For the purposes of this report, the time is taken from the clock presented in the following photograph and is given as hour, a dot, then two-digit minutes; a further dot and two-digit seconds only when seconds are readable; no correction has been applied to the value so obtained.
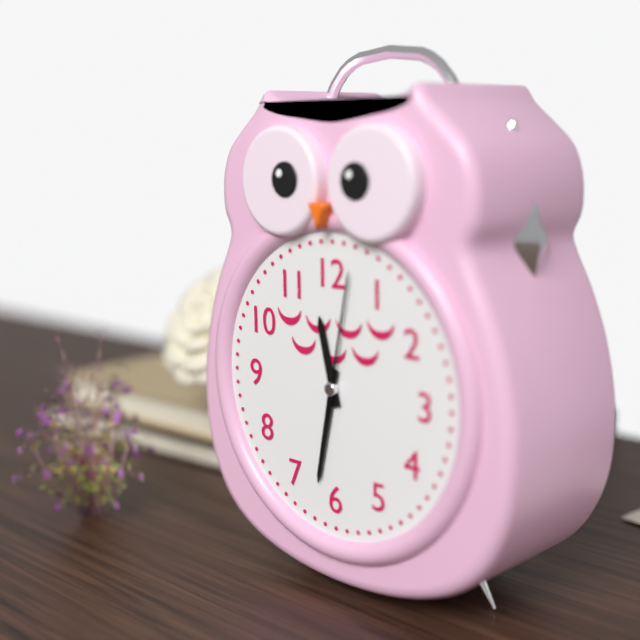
11.32.02
